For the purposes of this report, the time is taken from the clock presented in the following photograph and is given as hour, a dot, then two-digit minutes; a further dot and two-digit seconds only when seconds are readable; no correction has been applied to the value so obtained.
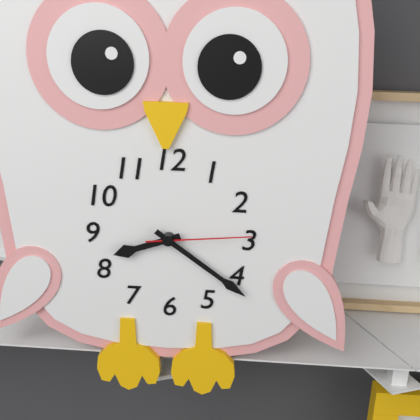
8.21.14
